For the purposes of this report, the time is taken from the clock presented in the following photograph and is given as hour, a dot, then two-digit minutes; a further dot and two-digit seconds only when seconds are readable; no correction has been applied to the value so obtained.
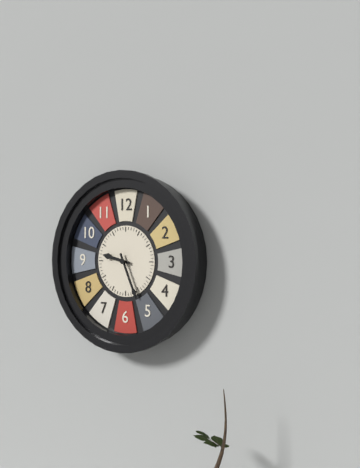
9.26
